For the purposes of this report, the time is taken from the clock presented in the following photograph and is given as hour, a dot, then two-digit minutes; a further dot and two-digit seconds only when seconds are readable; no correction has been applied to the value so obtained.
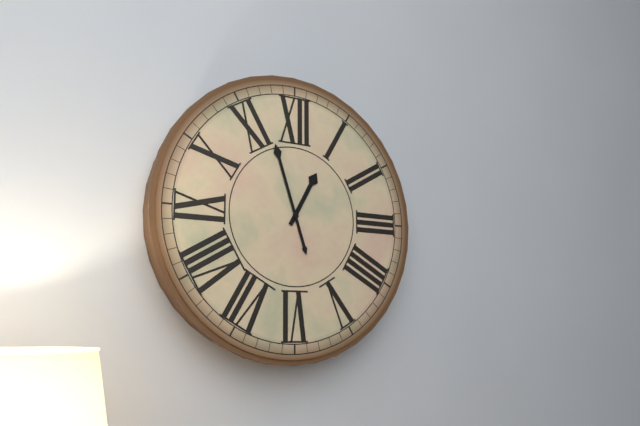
12.57
